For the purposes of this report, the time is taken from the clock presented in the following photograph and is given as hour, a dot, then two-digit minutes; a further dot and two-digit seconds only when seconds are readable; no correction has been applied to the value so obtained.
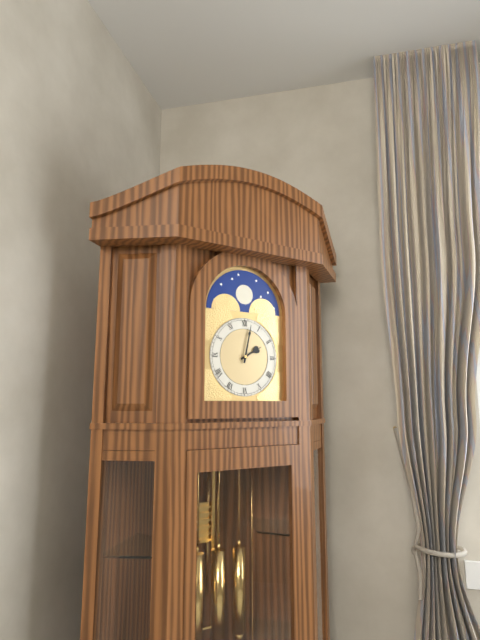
2.02
